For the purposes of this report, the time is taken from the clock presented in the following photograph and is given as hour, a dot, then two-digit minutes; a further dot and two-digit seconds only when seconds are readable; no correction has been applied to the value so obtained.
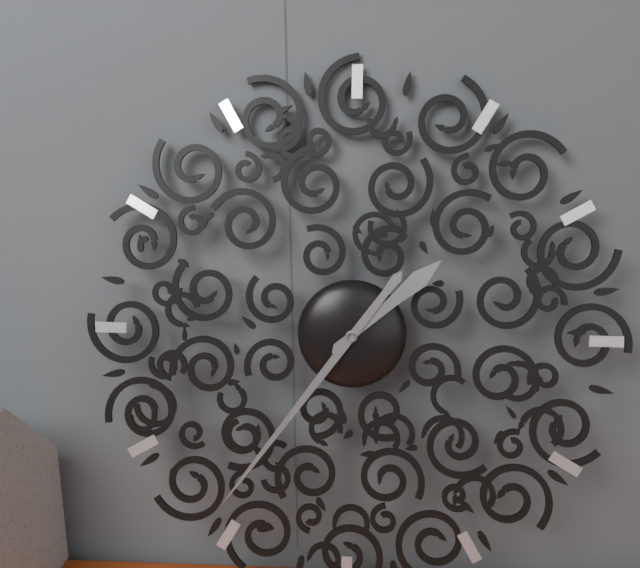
1.36
